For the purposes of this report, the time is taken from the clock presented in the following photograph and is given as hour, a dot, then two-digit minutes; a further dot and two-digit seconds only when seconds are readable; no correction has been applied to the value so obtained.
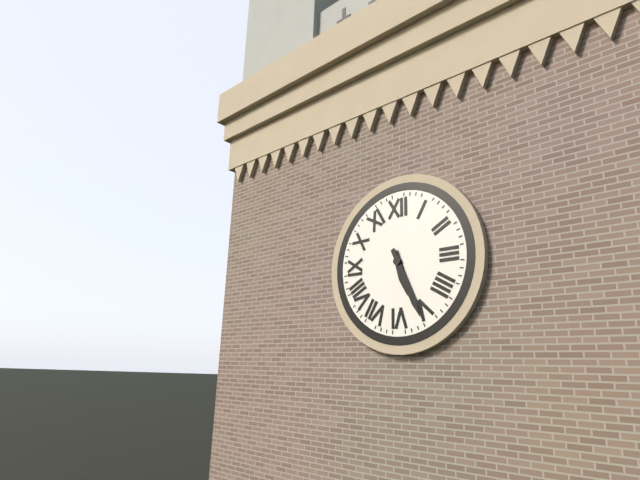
5.26
